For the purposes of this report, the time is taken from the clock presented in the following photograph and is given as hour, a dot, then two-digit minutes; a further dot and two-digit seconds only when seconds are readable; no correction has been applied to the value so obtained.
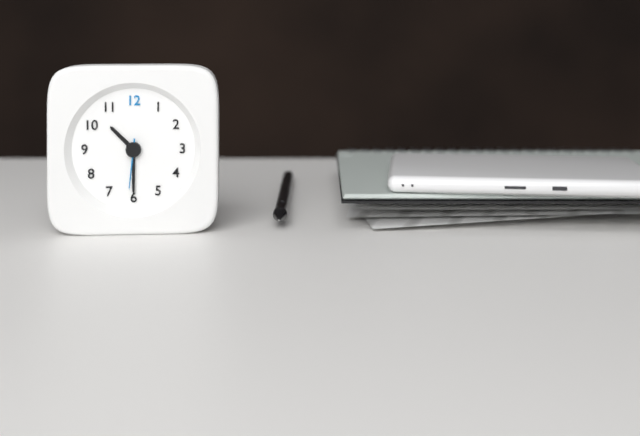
10.30.31
